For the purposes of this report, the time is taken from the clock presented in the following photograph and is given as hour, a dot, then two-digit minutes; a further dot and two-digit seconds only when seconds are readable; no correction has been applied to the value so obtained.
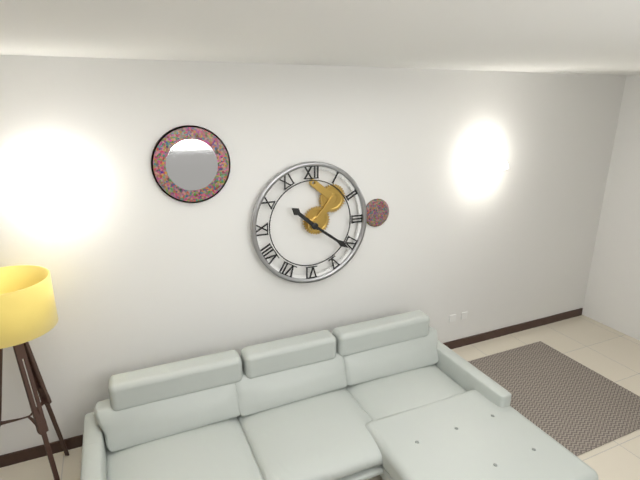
10.21
